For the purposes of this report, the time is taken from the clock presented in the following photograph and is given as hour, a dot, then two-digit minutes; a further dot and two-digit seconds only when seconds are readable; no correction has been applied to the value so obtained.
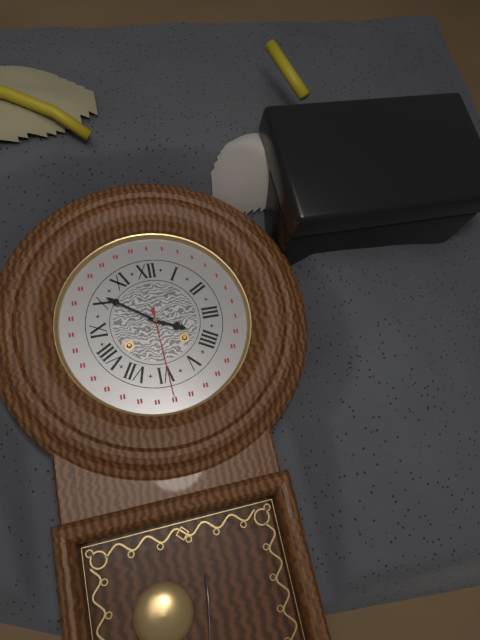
3.51
